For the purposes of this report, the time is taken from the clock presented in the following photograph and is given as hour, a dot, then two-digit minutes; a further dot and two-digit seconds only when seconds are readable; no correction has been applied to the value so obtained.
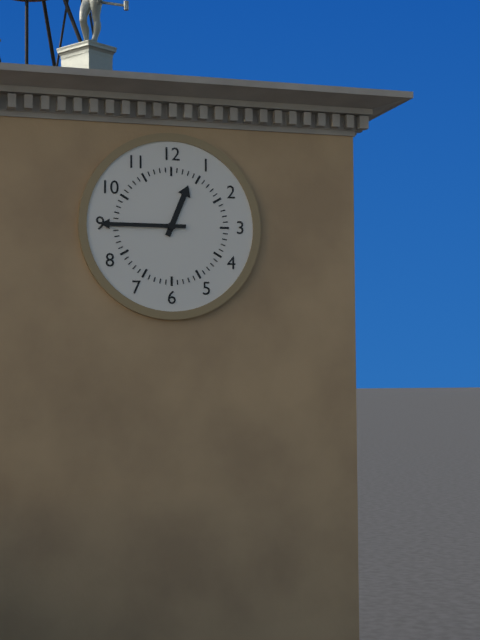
12.45
